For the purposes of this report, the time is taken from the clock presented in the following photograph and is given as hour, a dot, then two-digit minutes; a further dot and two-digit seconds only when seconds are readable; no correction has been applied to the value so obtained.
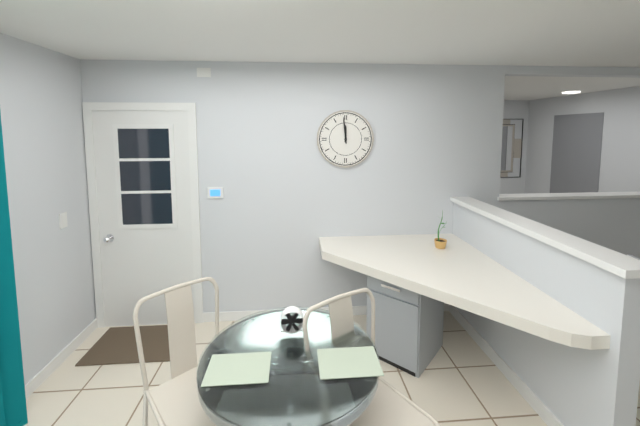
11.59
